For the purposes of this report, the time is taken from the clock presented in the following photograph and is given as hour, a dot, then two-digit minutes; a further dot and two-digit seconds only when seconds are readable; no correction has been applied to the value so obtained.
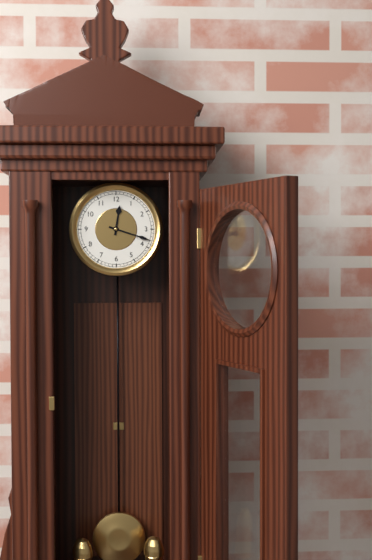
12.18
